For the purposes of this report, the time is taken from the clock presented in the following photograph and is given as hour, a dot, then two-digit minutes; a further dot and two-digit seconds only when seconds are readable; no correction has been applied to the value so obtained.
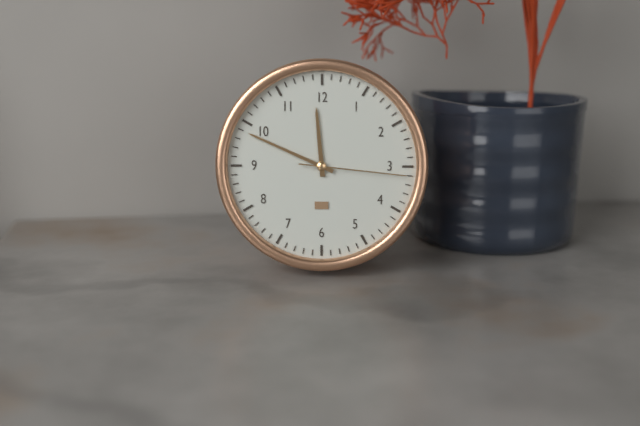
11.49.16
